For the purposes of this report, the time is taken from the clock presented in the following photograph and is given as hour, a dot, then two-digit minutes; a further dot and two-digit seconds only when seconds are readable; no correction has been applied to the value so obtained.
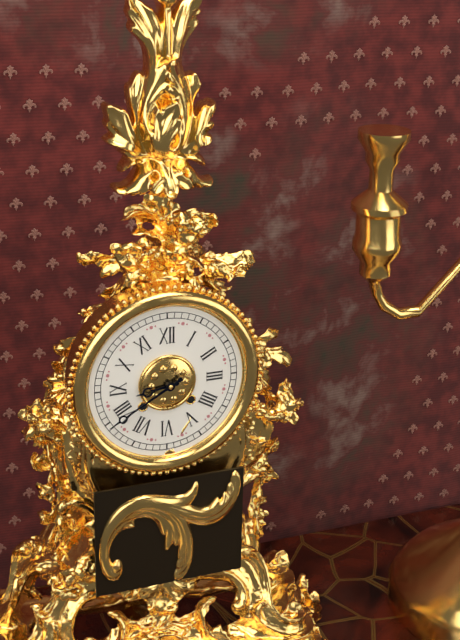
8.40
